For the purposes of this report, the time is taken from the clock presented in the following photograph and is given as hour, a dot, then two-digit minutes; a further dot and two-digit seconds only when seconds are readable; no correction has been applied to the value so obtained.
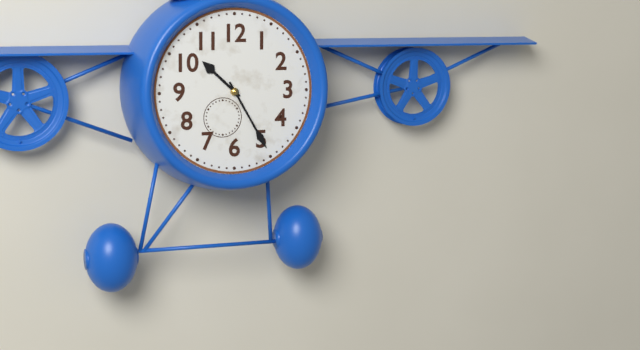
10.25
